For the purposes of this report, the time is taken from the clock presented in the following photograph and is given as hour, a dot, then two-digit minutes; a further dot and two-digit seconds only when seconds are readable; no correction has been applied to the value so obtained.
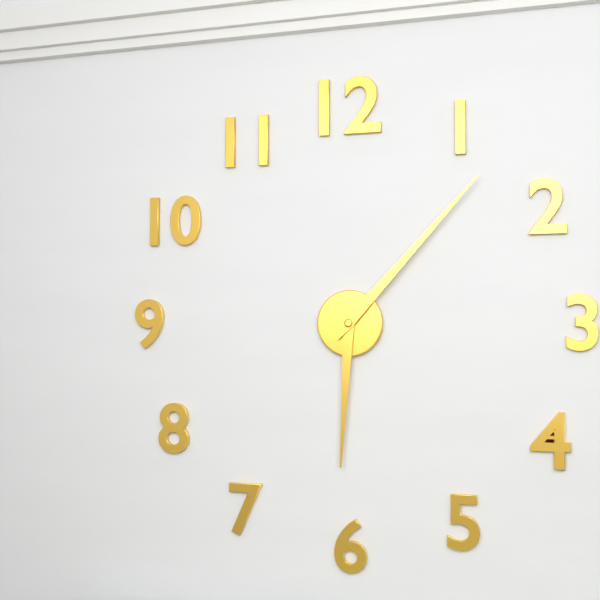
6.07
